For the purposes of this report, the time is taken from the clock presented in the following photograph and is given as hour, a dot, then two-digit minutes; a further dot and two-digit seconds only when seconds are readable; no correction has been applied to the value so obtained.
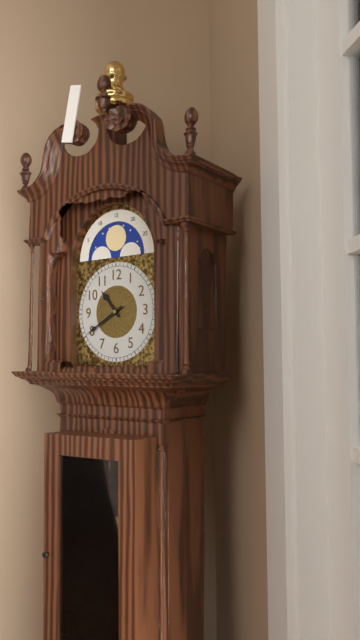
10.40
